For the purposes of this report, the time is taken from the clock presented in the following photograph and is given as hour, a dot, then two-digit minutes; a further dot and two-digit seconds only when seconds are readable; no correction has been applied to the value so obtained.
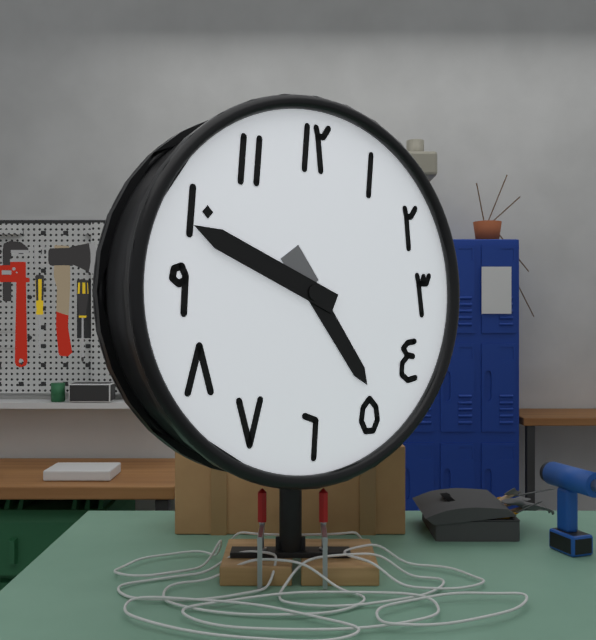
4.49
